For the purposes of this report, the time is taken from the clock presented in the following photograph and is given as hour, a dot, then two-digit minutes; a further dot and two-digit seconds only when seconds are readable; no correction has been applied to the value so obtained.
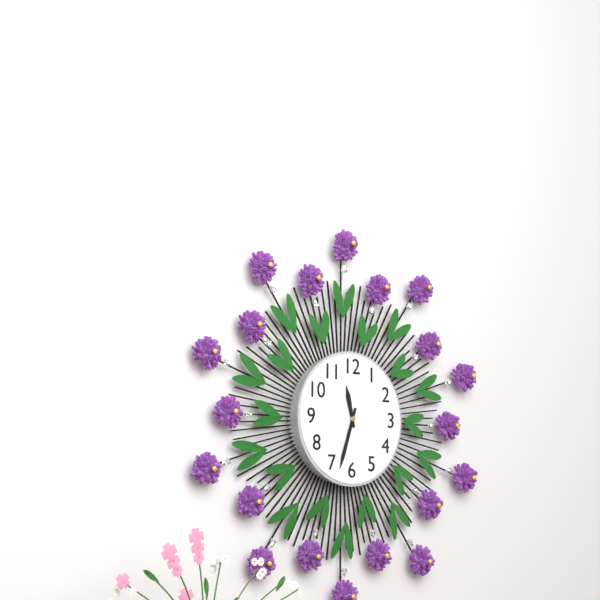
11.33
